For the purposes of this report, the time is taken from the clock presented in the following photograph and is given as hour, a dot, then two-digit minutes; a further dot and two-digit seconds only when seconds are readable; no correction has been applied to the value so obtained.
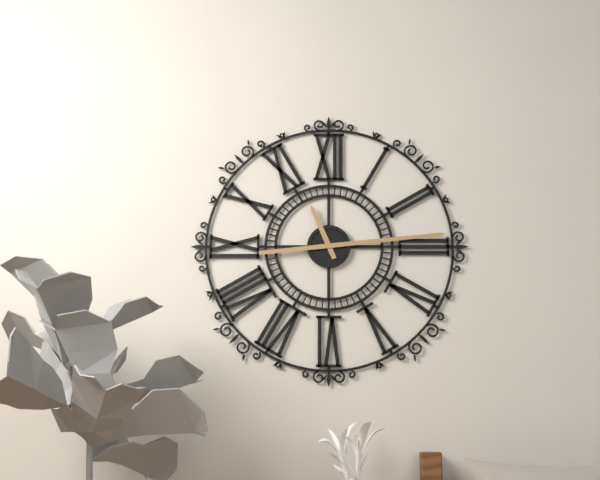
11.14
